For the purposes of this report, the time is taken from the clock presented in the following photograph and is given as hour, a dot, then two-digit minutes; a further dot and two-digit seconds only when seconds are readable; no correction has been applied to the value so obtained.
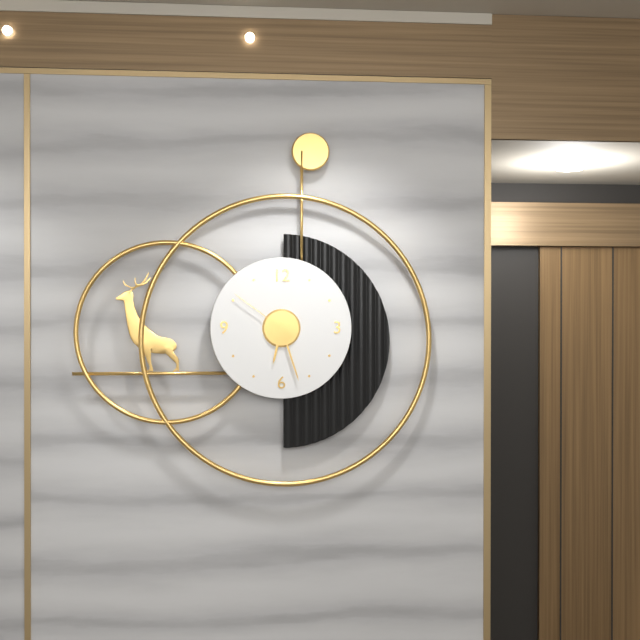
6.27.51
